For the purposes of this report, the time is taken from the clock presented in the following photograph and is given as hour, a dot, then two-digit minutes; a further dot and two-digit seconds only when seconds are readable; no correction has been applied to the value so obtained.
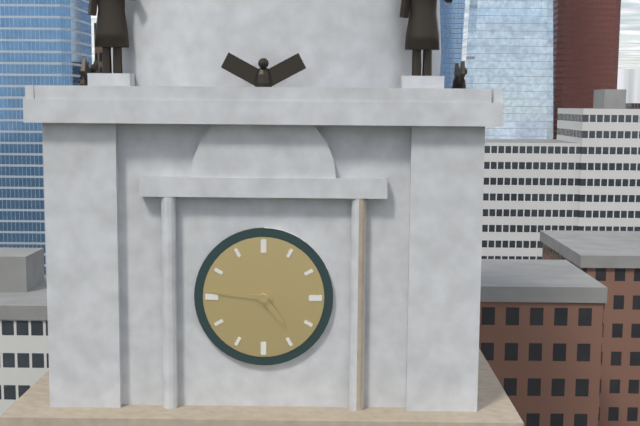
4.46
